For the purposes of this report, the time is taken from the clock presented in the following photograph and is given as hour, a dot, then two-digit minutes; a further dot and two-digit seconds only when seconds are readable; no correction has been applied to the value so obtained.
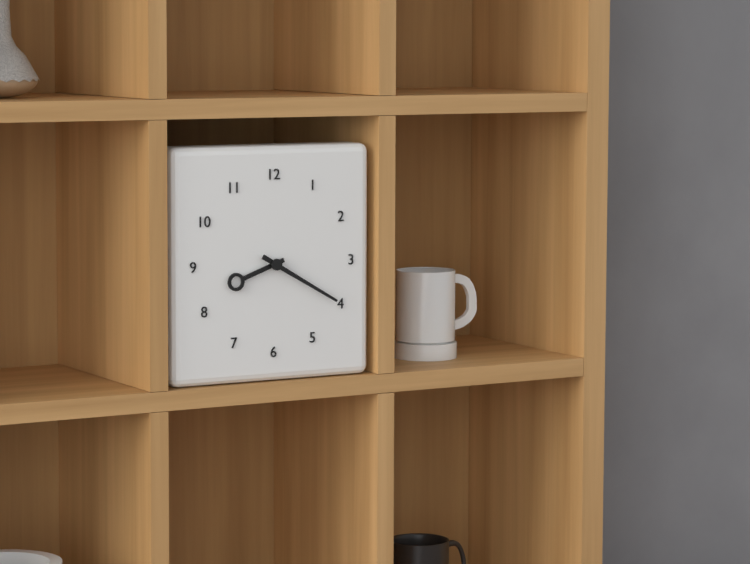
8.20
